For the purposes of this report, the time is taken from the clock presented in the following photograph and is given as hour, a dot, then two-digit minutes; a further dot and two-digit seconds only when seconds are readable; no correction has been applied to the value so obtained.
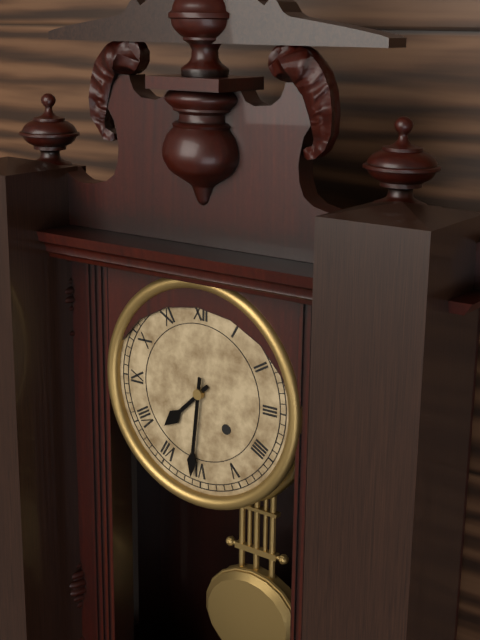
7.31
